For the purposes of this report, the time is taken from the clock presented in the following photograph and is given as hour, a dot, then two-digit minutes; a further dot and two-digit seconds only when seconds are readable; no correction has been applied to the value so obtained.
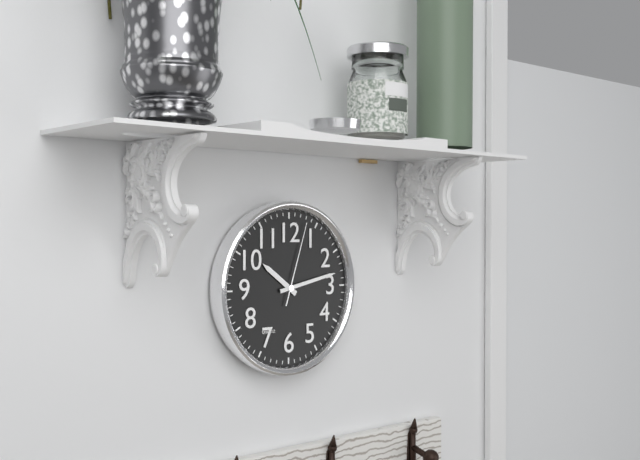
10.13.03
